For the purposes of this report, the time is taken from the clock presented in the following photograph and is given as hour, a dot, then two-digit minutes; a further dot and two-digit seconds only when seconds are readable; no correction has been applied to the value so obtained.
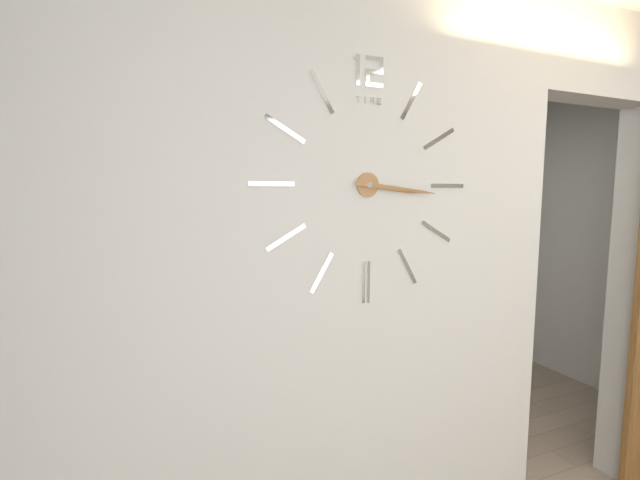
3.16
